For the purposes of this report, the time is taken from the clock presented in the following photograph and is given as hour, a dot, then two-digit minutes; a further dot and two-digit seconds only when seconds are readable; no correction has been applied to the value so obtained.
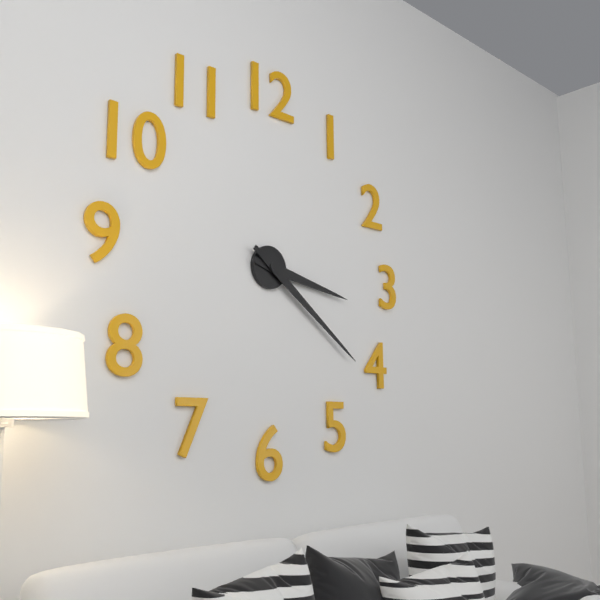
3.21
